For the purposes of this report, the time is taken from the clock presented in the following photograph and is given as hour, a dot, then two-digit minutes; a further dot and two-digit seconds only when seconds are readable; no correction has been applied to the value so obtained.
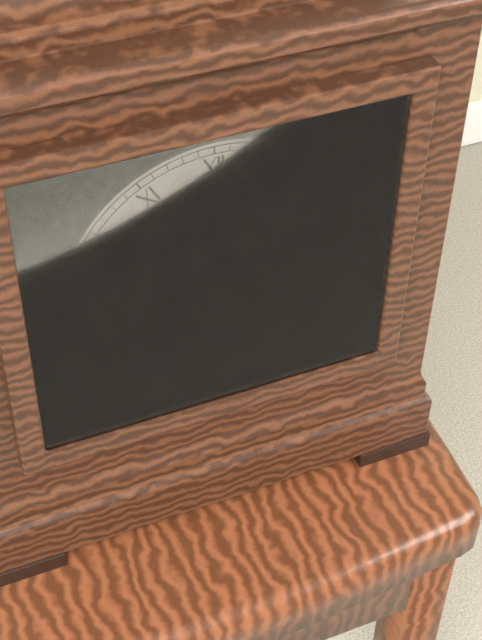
10.27
